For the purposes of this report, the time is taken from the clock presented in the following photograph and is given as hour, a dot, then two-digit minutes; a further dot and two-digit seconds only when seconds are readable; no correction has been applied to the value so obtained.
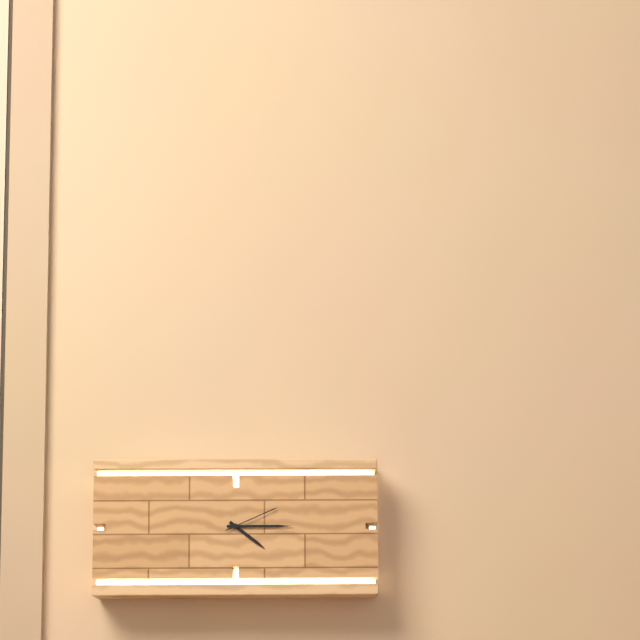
4.15.11
